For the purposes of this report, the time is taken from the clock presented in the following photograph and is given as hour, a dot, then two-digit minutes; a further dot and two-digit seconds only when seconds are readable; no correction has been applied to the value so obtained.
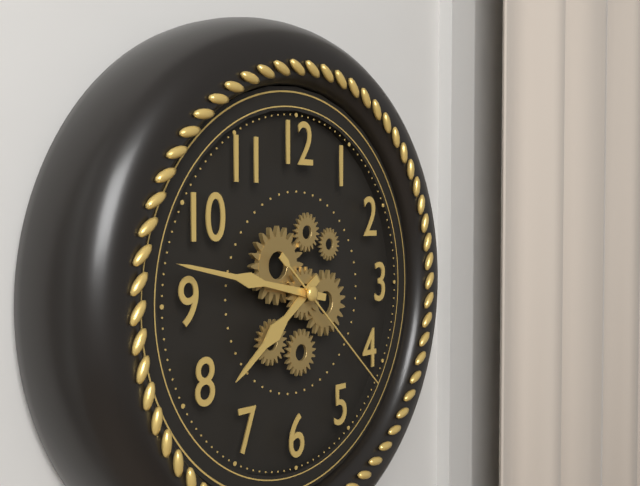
7.47.22
